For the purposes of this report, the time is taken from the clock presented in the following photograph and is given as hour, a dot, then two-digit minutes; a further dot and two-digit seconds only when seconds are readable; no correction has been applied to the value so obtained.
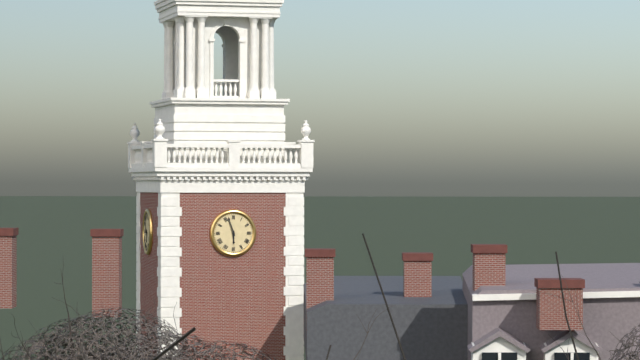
5.57
